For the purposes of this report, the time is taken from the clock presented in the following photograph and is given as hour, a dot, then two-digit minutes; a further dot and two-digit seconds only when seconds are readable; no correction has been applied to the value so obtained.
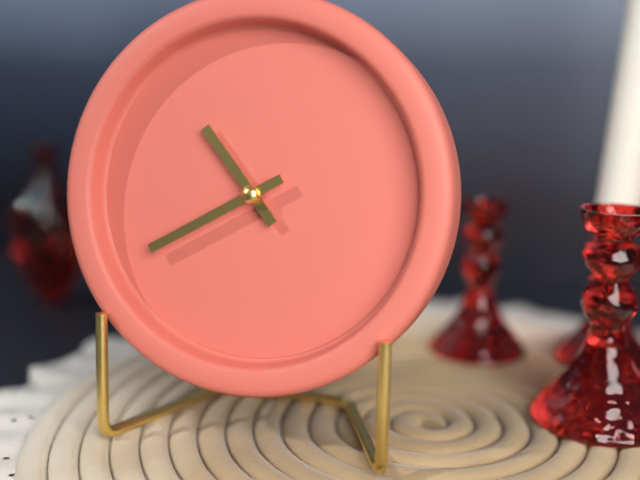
10.40
